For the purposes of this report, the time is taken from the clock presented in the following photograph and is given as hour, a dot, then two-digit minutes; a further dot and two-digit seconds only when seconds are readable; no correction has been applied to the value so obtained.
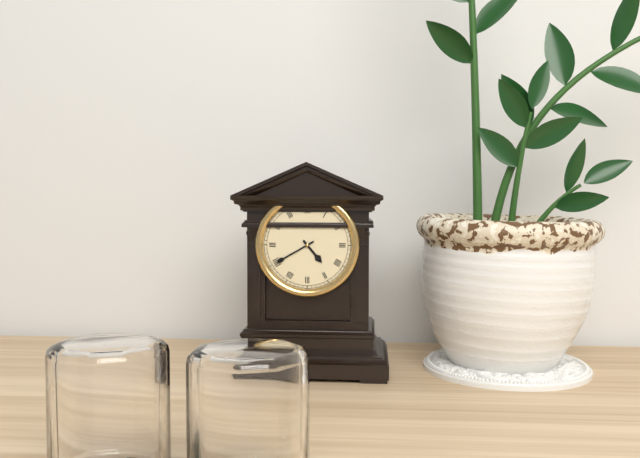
4.40
